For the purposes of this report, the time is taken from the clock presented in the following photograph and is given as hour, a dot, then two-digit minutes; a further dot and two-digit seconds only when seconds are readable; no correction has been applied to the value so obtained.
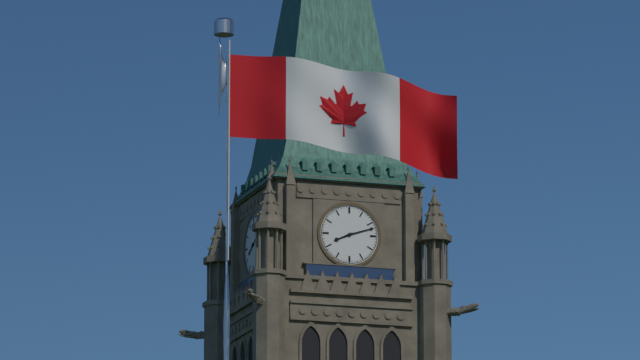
8.12
